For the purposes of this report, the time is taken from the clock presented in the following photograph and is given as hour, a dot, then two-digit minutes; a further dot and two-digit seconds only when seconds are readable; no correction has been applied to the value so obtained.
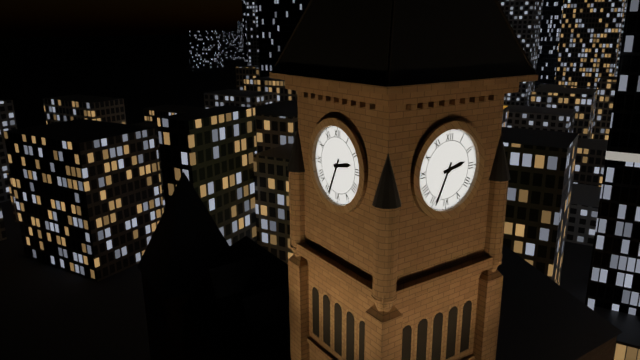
2.34
